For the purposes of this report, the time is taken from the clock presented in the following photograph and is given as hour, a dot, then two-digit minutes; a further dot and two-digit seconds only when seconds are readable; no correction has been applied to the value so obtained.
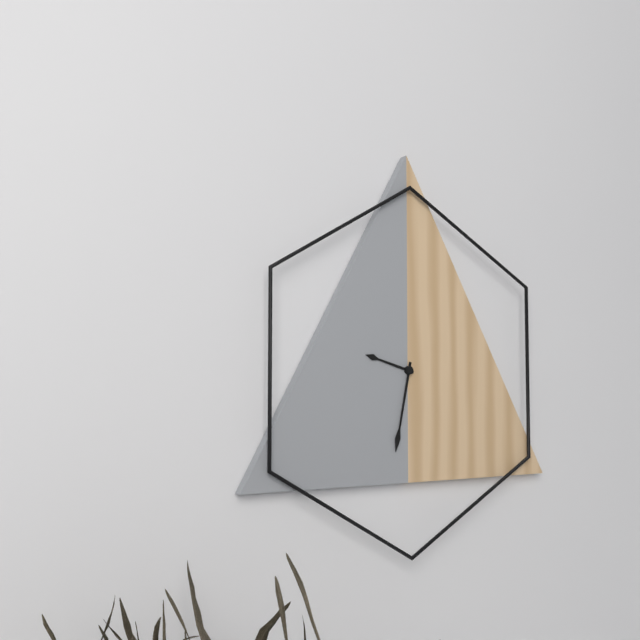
9.32
